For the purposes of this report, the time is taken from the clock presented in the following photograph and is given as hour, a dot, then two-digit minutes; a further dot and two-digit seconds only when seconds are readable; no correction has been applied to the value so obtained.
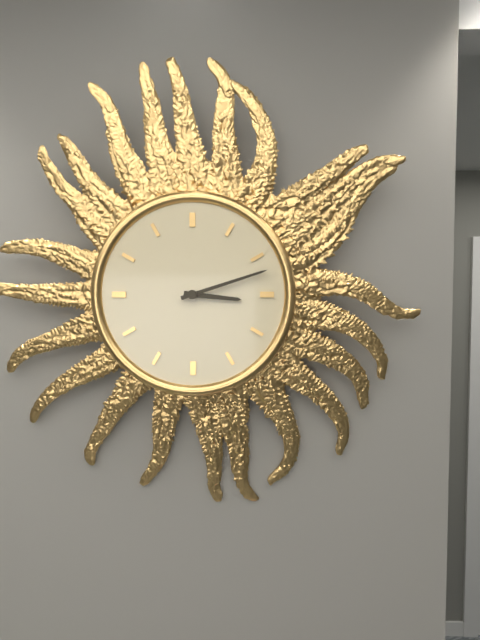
3.12
